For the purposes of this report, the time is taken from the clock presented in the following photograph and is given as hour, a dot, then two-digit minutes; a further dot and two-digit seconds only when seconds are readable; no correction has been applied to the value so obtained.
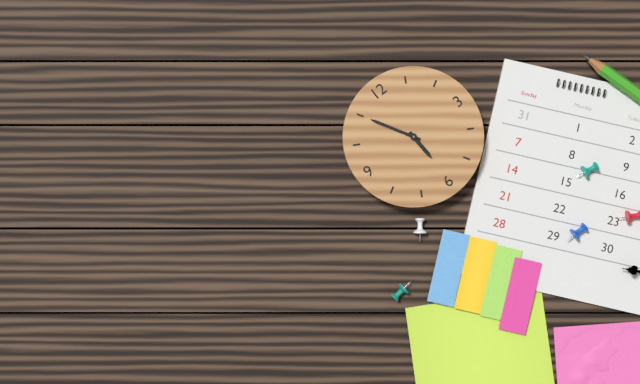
5.55
